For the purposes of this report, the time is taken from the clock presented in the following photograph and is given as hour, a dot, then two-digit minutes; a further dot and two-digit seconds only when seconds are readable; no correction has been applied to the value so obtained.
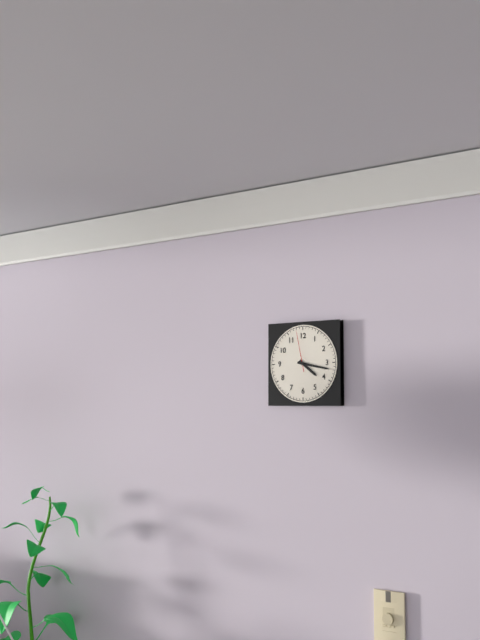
4.17
